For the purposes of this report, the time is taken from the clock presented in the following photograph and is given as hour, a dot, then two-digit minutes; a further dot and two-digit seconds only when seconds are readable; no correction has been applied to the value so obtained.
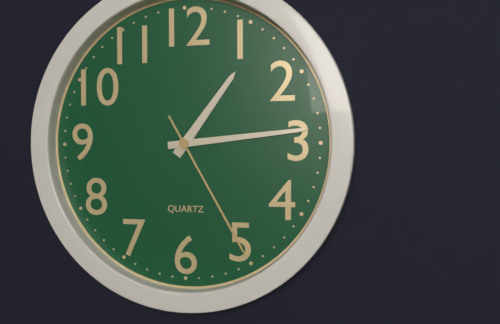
1.14.25
